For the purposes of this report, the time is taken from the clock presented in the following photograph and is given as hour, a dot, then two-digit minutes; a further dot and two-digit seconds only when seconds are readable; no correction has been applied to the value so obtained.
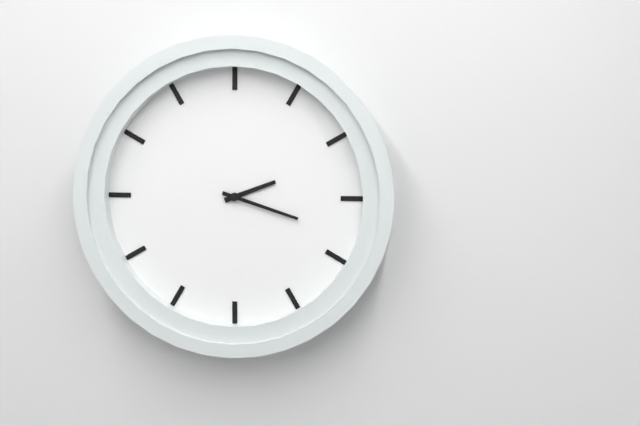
2.18
